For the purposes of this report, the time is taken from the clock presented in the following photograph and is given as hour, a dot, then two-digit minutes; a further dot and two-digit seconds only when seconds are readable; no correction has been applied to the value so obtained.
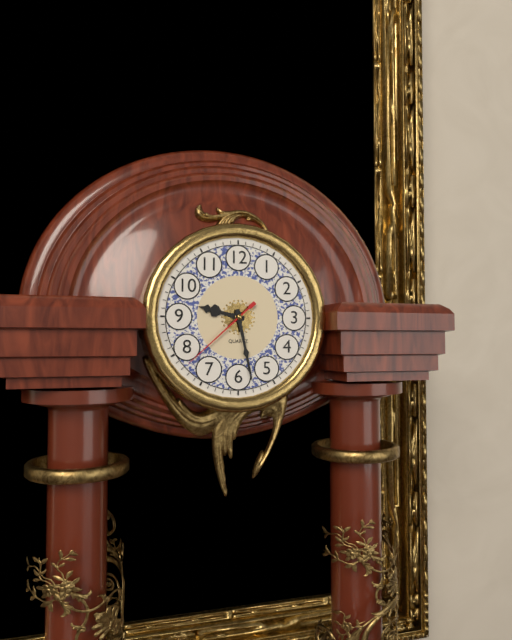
9.28.38
